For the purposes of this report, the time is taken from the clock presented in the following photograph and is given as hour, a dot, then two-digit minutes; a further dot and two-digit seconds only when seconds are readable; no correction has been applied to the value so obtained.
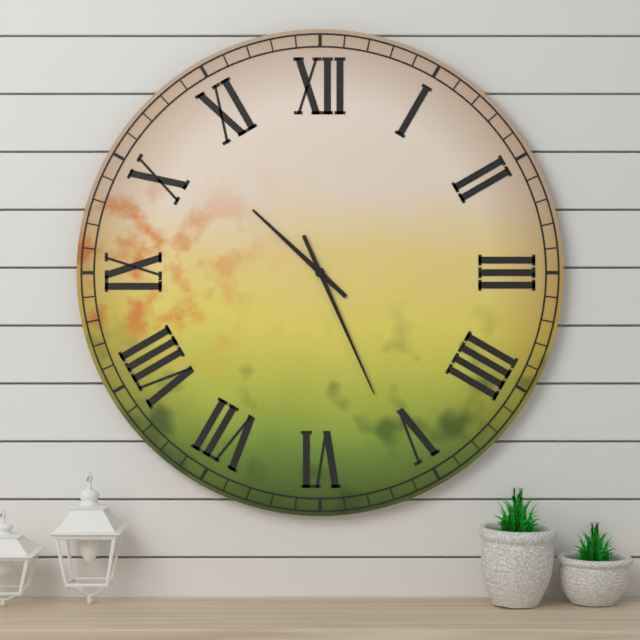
10.26
